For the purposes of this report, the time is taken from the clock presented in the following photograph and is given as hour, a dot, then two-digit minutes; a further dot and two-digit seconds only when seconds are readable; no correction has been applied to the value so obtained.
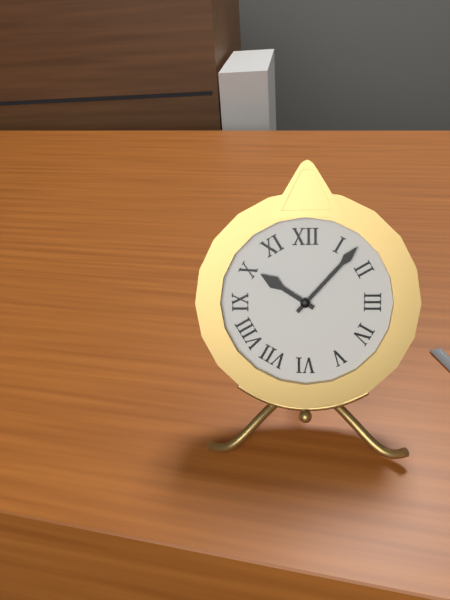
10.07
